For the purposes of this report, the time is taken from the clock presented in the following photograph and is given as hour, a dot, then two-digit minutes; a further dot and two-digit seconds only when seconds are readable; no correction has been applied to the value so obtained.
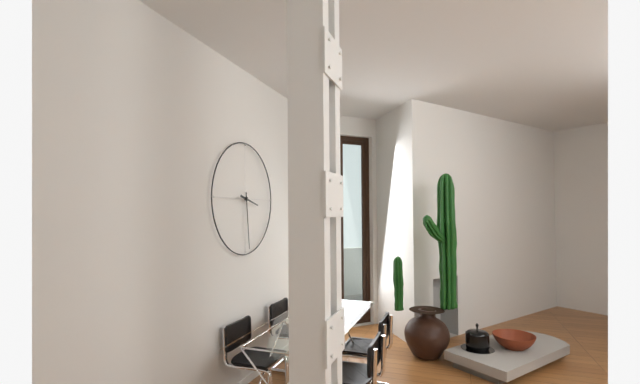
3.29
